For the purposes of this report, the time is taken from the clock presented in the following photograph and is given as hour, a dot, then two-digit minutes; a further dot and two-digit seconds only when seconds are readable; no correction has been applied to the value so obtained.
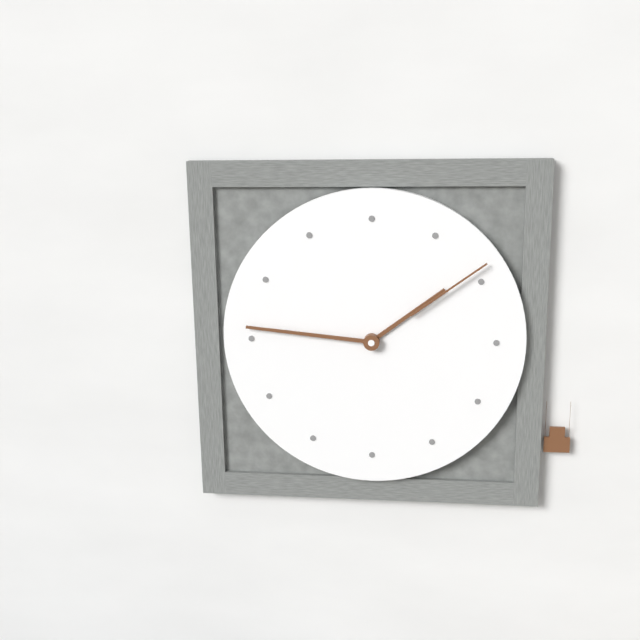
1.46.09
